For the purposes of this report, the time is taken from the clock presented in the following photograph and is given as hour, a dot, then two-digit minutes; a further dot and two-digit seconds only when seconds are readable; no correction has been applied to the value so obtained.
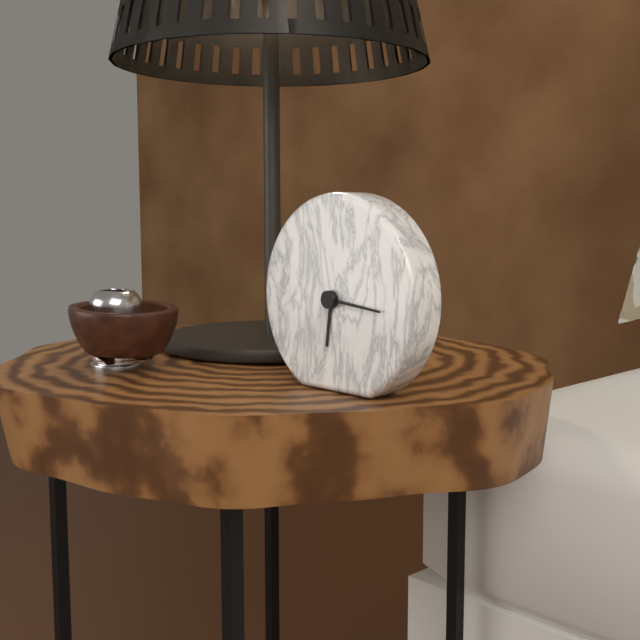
6.16
